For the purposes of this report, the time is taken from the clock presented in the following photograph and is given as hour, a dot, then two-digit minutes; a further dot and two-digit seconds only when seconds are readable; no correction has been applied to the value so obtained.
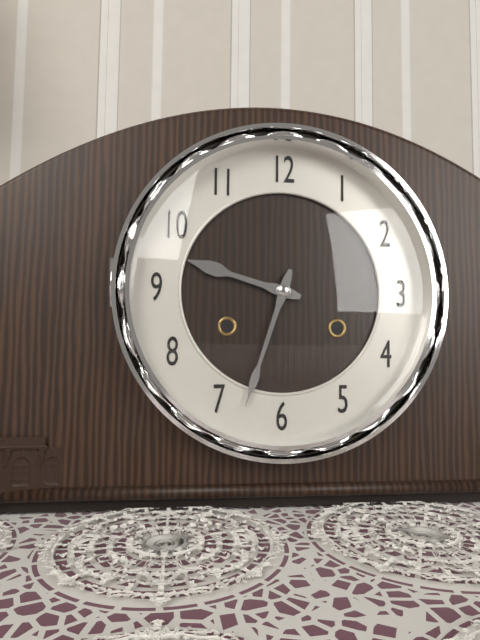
9.33
